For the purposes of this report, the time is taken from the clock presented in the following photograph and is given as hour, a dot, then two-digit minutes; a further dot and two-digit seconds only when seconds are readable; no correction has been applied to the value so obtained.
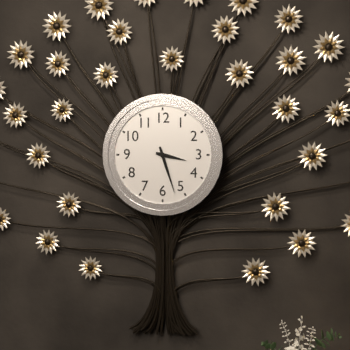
3.27
